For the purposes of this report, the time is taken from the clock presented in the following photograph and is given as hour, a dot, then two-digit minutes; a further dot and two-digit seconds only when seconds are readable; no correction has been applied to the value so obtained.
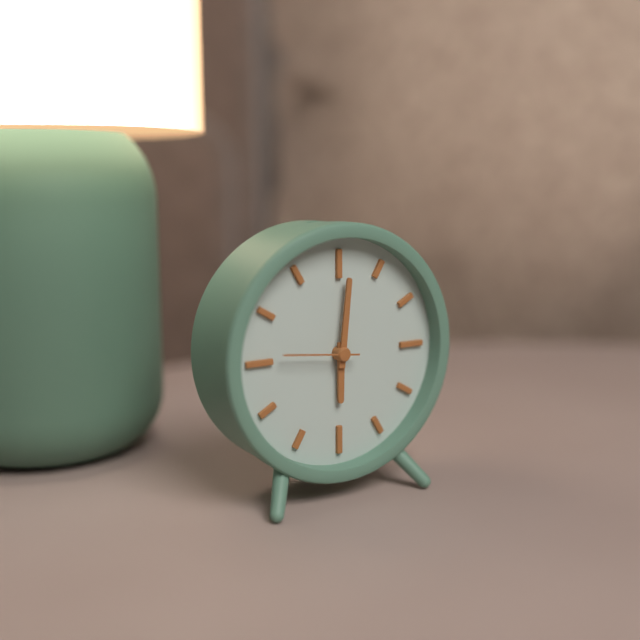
6.01.46
